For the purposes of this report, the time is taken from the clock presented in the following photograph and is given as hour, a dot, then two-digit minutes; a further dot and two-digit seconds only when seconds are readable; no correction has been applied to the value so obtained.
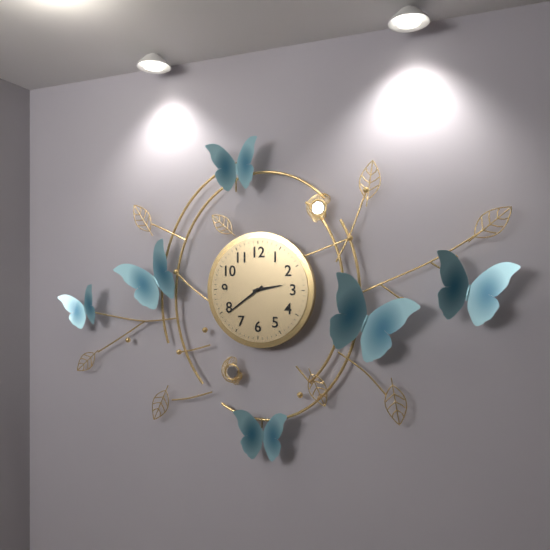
2.39
